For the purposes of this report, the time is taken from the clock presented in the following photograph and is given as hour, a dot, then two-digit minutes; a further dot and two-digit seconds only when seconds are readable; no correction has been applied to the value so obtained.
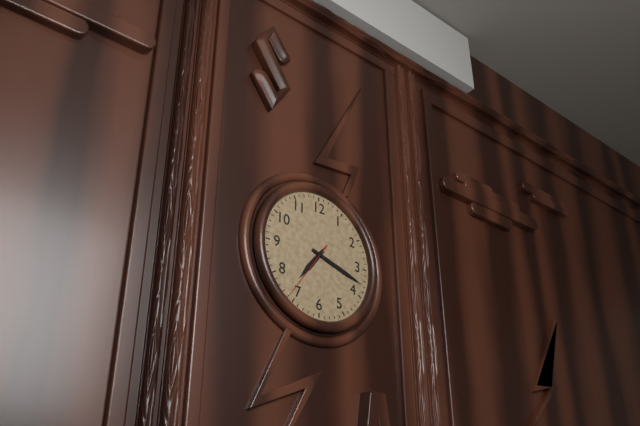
7.18.36
